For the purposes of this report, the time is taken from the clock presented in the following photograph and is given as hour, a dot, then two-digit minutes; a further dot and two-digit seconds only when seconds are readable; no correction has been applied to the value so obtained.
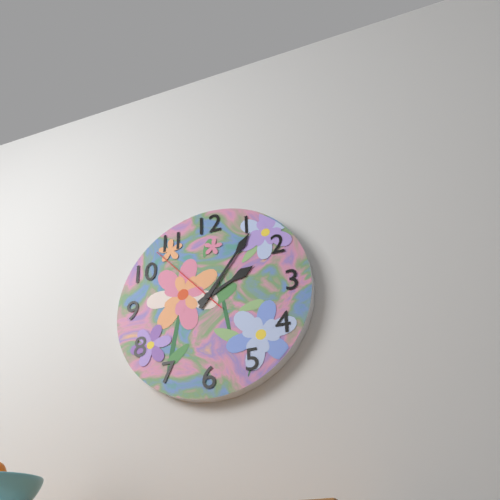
2.06.53
